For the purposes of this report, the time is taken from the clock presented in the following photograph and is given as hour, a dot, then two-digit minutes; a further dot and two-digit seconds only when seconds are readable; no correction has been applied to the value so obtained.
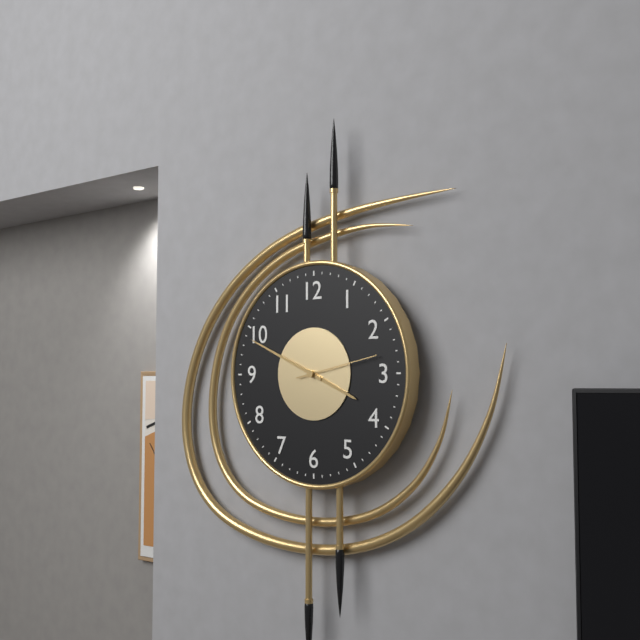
3.49.13
